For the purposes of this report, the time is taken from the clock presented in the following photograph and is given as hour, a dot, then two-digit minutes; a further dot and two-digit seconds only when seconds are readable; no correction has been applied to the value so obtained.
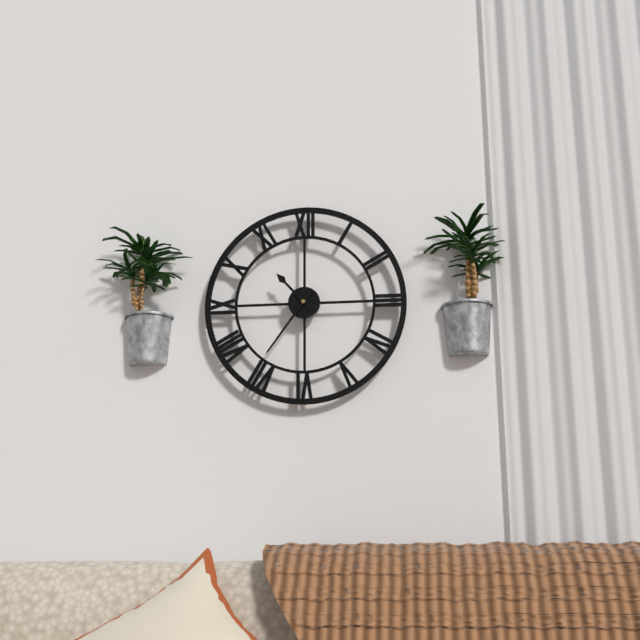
10.36
